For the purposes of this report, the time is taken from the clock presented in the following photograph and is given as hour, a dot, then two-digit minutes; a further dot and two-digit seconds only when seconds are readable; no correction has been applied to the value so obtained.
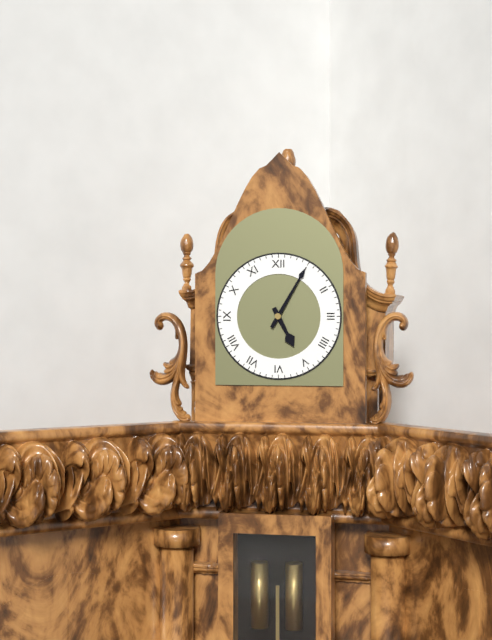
5.05
